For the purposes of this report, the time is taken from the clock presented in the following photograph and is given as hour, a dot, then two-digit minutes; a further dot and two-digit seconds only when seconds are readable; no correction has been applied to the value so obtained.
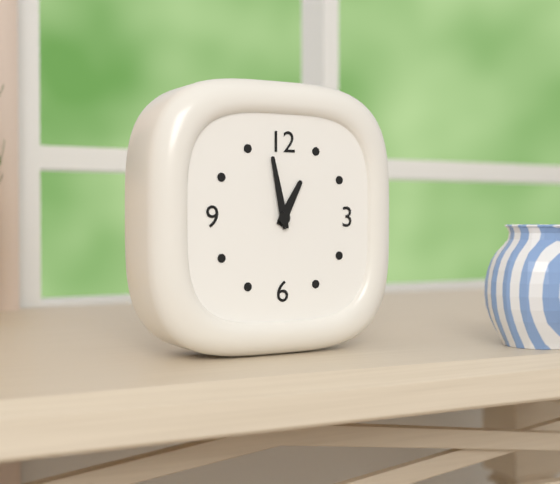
12.58
